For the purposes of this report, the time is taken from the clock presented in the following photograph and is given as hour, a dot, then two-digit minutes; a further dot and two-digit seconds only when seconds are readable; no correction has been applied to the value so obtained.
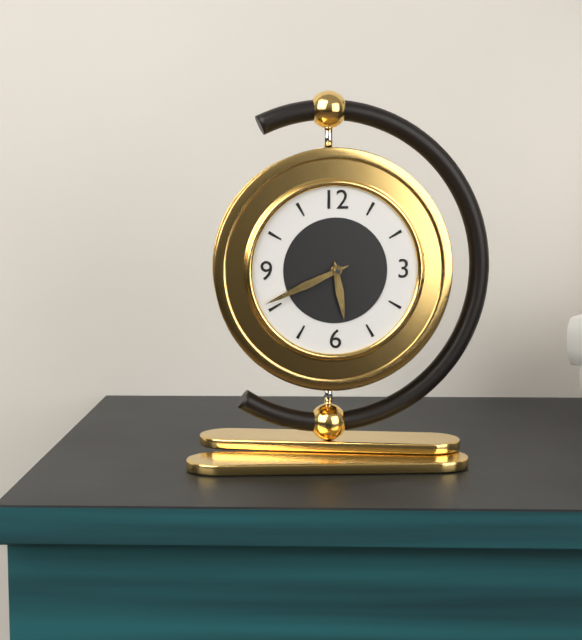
5.41
